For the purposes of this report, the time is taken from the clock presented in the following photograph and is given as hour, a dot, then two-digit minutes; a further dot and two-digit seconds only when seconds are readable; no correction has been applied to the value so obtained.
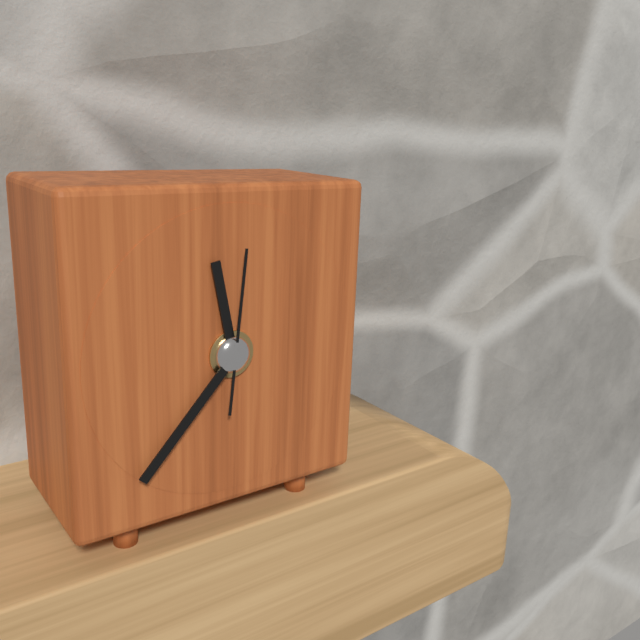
11.37.01
